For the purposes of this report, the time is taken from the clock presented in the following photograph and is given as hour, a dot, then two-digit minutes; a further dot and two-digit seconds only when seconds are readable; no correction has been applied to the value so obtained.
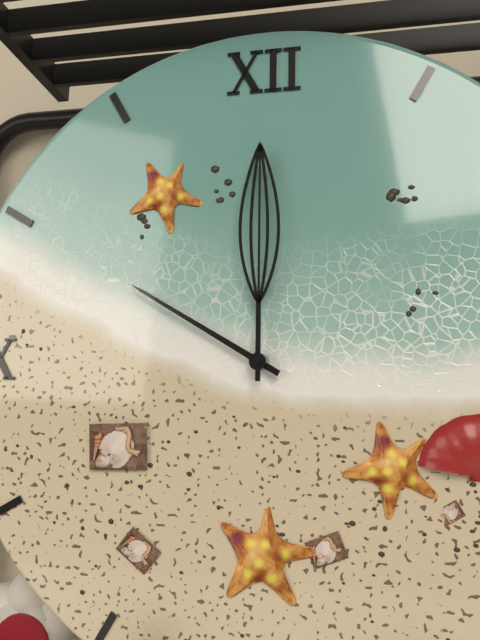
10.00
